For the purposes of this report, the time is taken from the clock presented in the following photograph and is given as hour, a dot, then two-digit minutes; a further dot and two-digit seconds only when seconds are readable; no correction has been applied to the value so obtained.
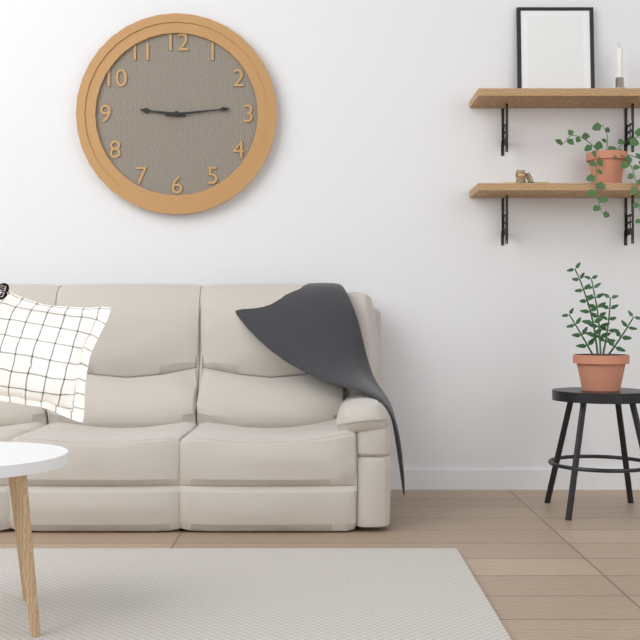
9.14
